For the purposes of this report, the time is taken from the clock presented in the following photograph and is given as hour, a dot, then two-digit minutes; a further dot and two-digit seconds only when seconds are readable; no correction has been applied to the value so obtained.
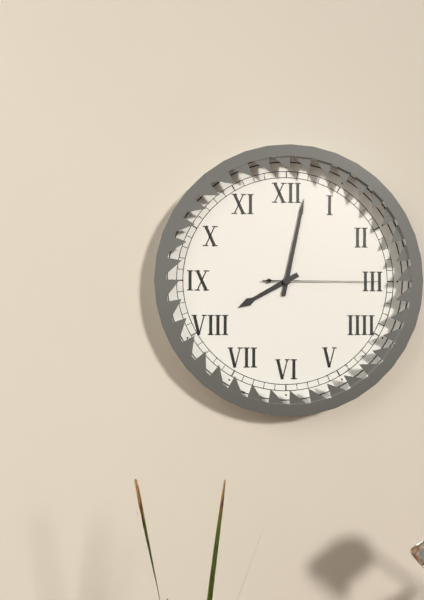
8.02.15
